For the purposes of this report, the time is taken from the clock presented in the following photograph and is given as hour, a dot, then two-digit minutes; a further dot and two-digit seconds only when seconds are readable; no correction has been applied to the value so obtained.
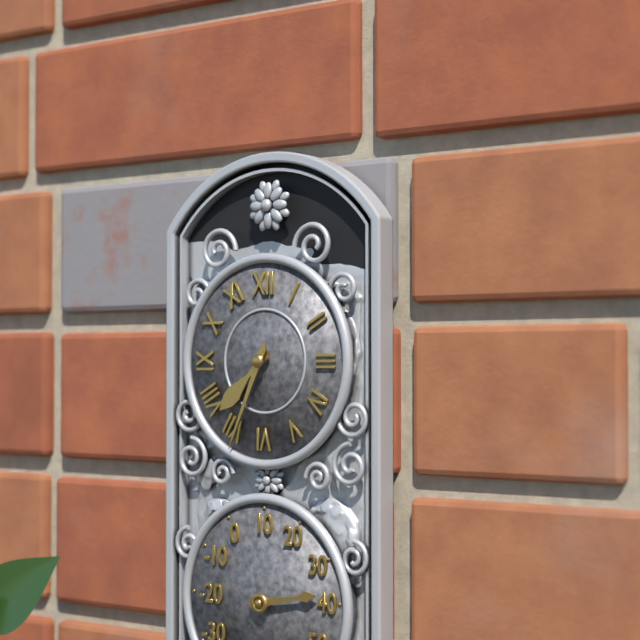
7.34
